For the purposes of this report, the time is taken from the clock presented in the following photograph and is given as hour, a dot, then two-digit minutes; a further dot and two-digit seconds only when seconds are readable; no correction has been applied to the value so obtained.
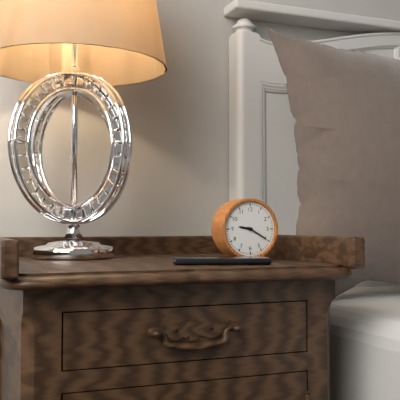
9.20
